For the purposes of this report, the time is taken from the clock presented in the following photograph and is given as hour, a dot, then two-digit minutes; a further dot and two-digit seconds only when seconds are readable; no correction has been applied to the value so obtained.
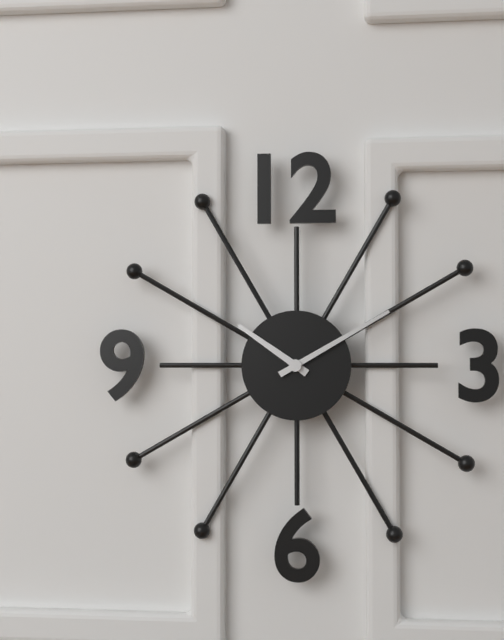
10.10
